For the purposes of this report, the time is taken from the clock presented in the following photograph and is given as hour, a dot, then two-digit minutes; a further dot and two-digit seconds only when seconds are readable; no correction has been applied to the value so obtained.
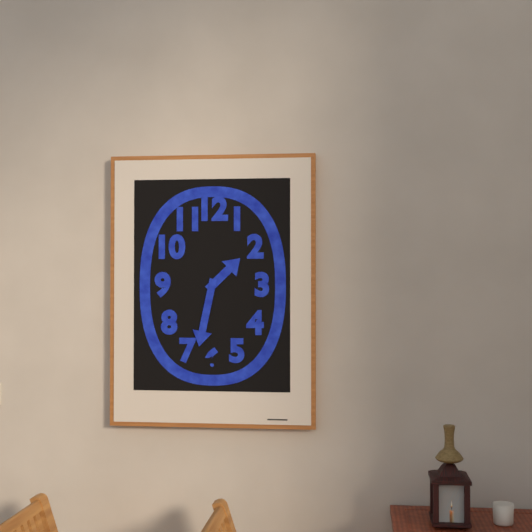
1.32
